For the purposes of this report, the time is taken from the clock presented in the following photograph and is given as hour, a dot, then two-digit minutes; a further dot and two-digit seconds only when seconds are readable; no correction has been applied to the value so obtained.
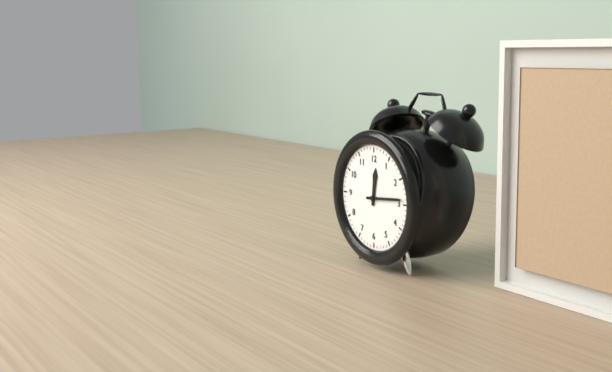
12.14
